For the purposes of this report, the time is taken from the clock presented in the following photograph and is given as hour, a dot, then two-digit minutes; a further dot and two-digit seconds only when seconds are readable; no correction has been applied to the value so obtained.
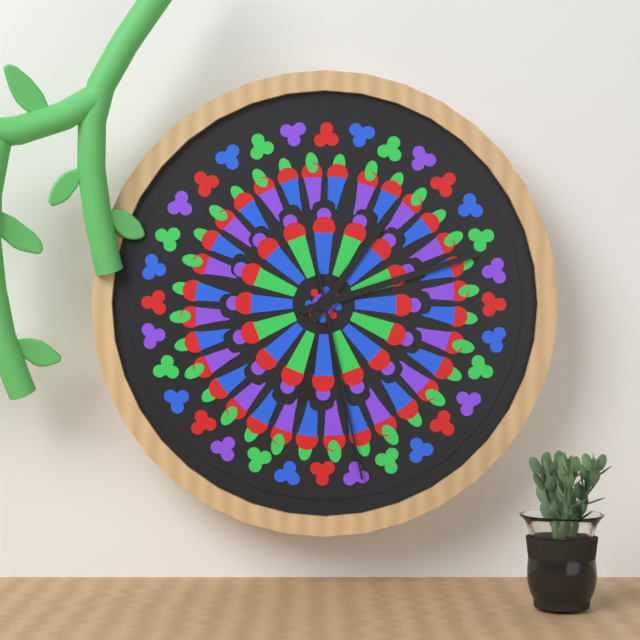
1.12.28
